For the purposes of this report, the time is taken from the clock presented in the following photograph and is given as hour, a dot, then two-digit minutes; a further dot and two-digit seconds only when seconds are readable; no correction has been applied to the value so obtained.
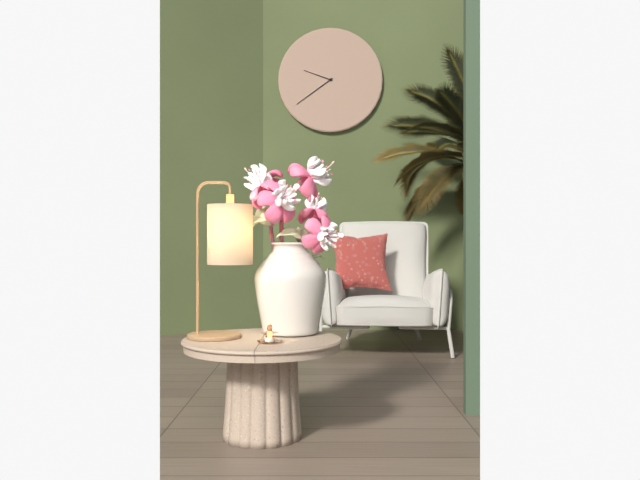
9.39
